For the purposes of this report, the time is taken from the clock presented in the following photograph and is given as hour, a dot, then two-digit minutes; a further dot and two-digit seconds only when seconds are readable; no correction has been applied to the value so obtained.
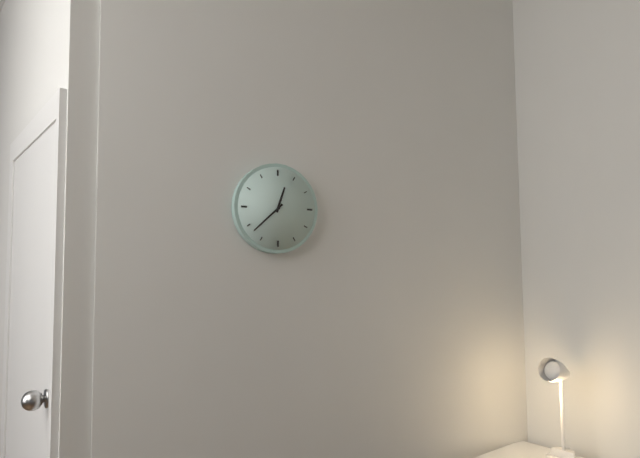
12.38
